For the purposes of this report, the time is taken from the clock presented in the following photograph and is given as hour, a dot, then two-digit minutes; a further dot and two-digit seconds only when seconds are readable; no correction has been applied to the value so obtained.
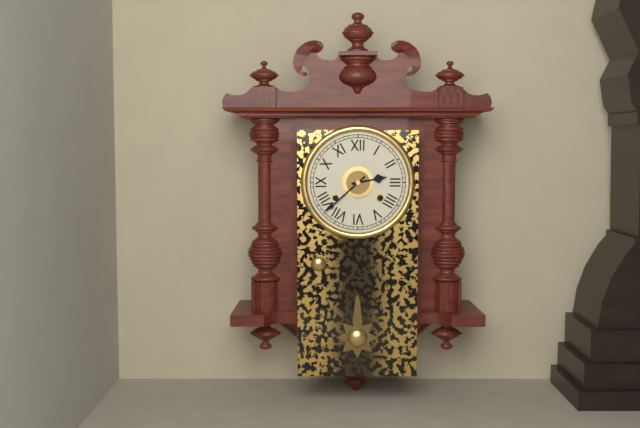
2.38
